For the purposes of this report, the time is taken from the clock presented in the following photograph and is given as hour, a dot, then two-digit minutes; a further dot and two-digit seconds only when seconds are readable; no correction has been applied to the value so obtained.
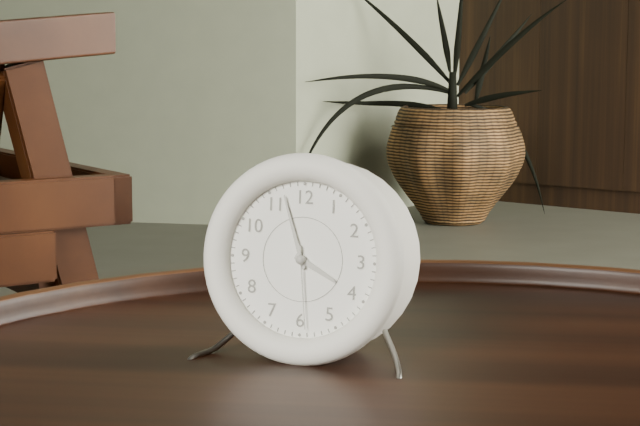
3.57.29
